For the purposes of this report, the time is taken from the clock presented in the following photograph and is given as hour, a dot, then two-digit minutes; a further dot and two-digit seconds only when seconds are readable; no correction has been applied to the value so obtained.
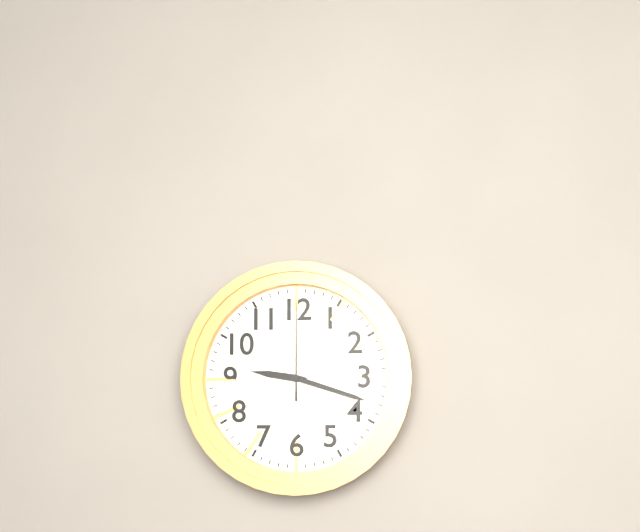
9.18.00
